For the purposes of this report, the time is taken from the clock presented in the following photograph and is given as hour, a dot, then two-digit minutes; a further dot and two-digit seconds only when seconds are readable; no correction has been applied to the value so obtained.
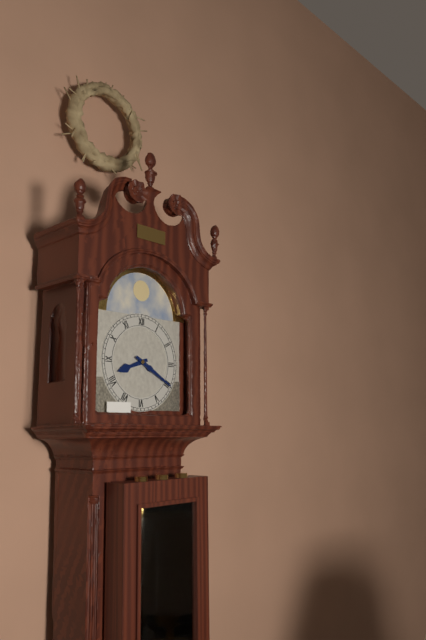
8.20
